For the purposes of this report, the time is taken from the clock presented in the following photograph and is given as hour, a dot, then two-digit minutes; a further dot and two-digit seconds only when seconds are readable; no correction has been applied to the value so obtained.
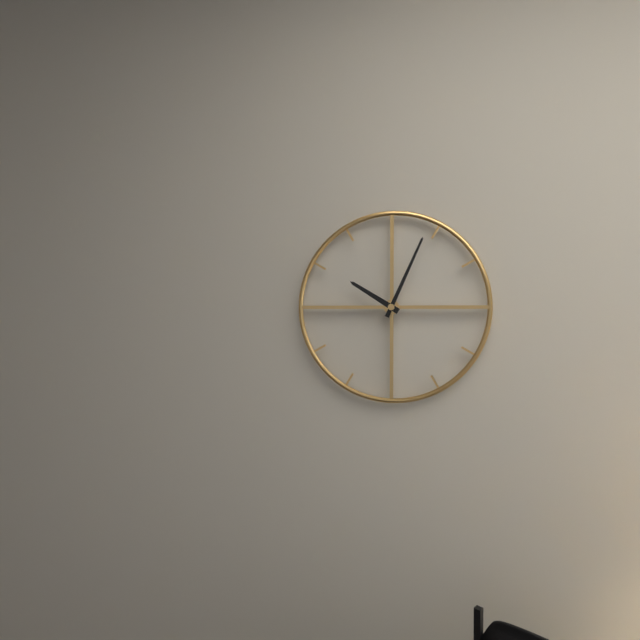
10.04
